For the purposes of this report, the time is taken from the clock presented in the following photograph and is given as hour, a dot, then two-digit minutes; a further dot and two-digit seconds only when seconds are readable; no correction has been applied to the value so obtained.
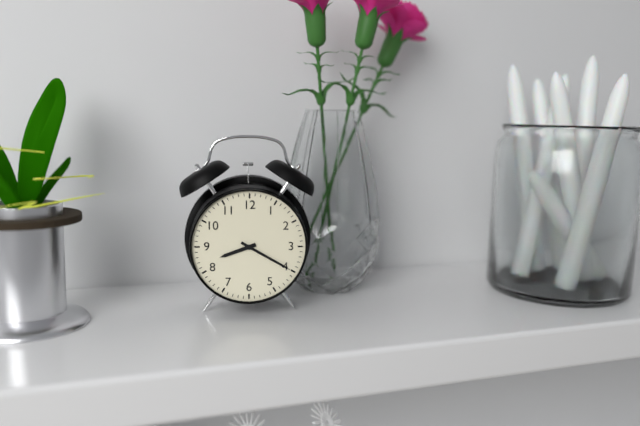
8.20
